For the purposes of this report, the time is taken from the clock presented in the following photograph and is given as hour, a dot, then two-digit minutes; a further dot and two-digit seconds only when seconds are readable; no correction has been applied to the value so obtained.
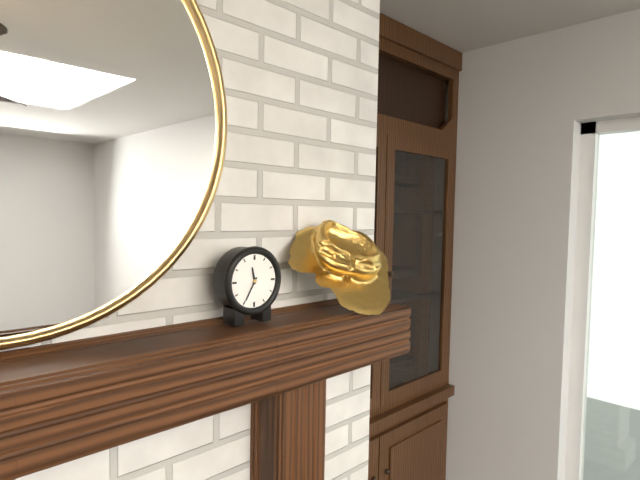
11.35
